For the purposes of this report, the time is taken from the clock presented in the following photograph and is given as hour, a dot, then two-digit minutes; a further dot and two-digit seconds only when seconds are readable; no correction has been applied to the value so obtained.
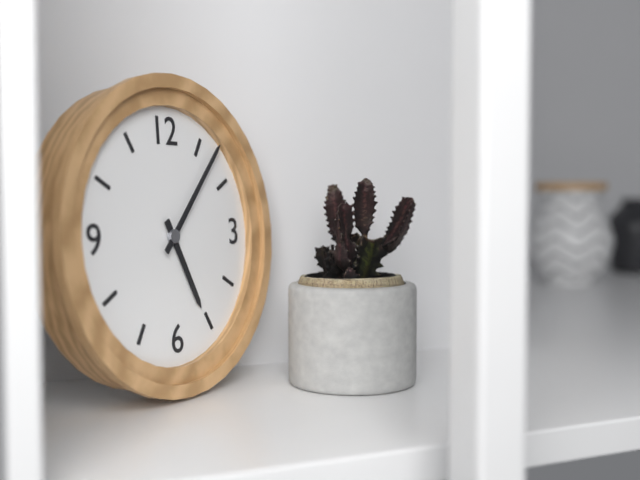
5.07
